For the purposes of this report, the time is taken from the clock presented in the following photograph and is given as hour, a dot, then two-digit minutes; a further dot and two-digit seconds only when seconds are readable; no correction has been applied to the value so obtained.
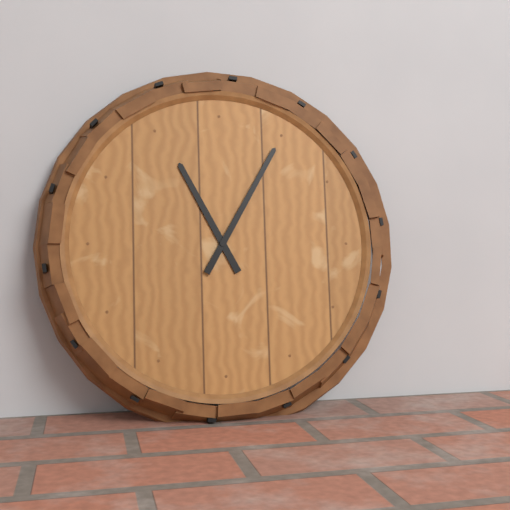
11.05
